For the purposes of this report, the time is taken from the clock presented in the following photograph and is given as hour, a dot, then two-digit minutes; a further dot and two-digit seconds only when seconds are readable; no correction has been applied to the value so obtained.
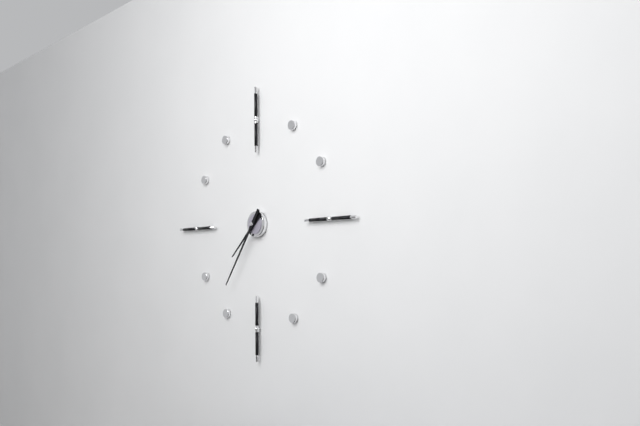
7.36
